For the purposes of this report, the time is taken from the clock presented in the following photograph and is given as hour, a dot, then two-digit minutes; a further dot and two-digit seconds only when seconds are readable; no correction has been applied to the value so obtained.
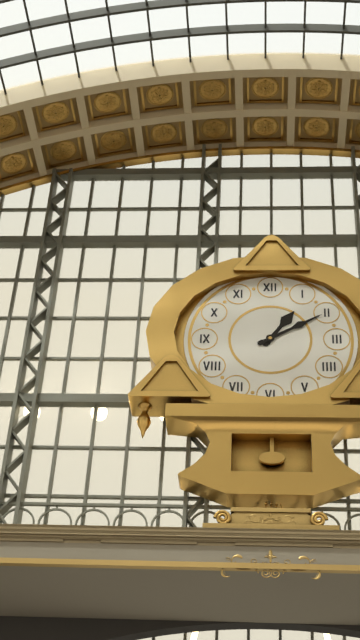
1.10
